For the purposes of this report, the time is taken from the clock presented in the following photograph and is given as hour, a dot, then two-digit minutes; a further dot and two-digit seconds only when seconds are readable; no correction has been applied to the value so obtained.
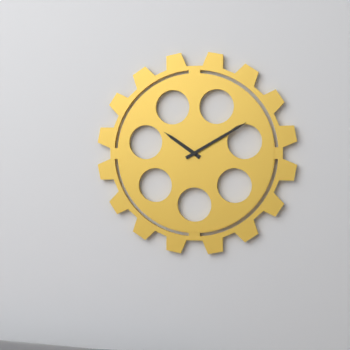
10.10
